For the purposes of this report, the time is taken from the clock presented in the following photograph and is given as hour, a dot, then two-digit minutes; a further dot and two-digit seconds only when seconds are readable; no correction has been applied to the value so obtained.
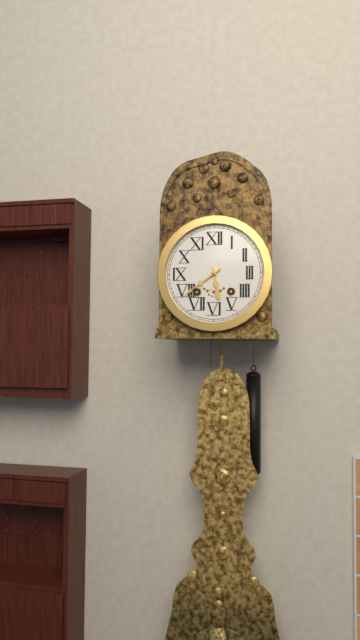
5.39
